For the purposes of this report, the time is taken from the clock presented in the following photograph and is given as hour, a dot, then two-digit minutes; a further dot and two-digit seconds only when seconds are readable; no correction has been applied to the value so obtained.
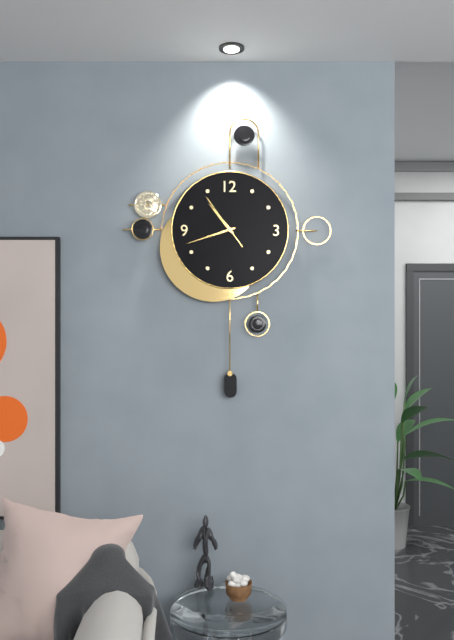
10.42.54
